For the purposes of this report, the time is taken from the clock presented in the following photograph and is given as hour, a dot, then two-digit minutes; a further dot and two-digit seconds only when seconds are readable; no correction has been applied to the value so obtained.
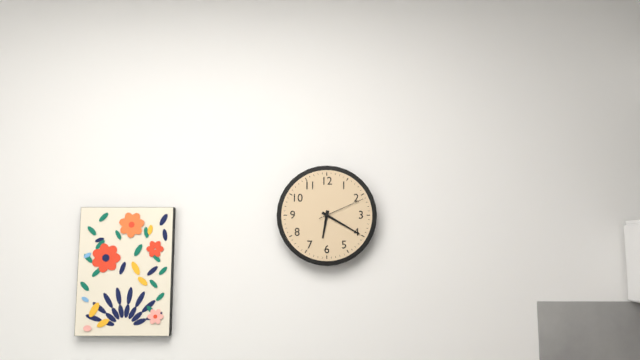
6.20.11
